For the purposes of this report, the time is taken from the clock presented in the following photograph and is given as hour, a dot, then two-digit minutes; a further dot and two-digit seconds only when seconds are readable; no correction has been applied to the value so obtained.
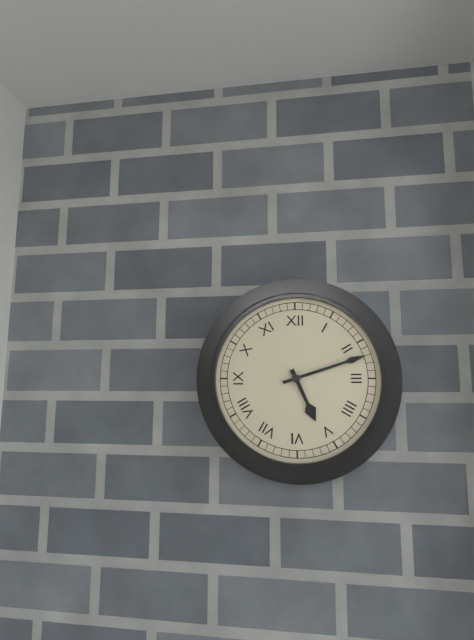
5.12
